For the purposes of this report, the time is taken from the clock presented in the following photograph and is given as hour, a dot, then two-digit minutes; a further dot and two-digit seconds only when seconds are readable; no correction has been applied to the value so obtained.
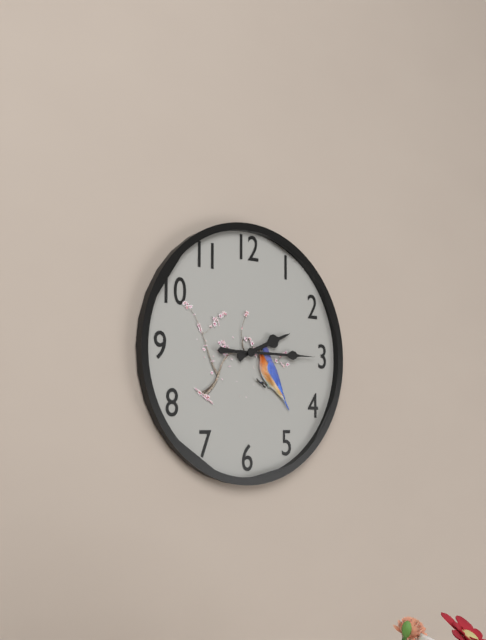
2.15
